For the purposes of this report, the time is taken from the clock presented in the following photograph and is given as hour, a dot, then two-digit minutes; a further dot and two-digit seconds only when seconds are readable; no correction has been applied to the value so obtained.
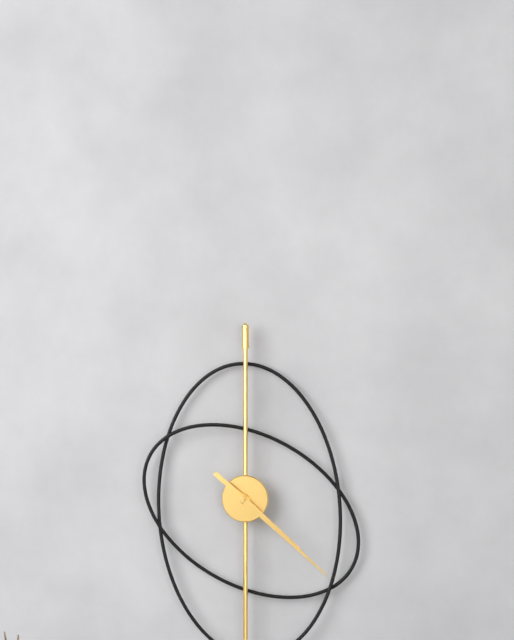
4.22
